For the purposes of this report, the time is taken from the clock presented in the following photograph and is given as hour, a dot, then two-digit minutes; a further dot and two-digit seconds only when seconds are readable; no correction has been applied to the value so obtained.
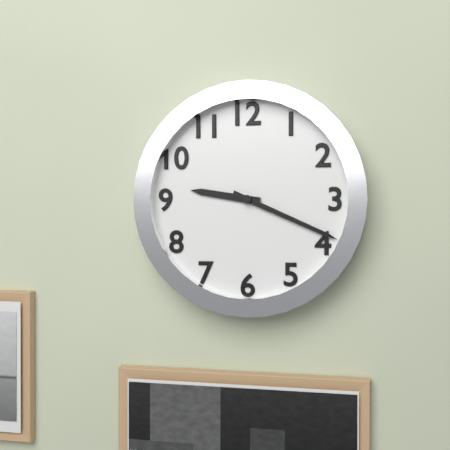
9.19
